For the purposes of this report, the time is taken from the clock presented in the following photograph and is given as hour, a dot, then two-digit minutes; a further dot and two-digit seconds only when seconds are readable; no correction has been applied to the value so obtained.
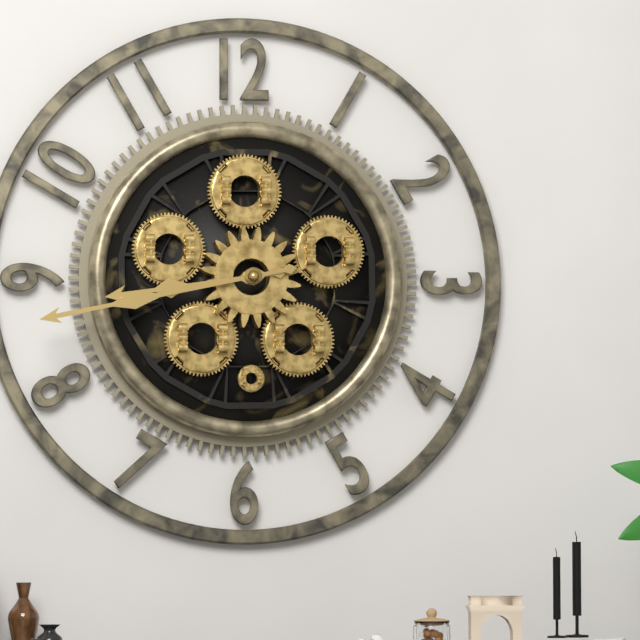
8.43
